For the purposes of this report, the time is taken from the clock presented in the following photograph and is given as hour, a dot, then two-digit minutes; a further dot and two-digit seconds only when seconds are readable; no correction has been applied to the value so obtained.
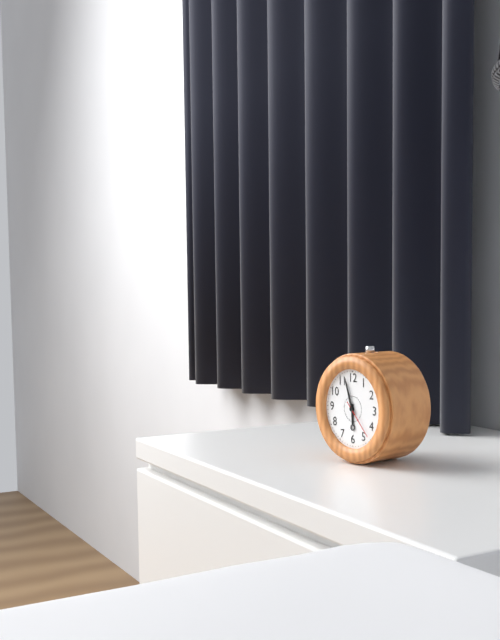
5.57
